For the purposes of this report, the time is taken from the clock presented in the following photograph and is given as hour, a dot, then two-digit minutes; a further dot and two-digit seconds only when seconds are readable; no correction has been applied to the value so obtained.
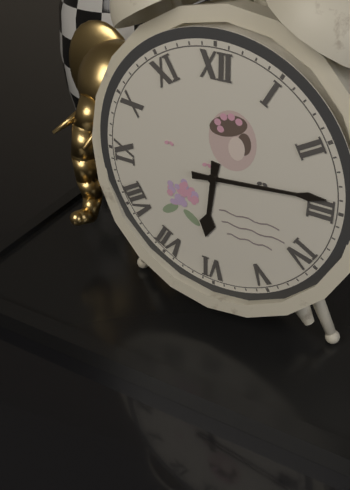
6.14
